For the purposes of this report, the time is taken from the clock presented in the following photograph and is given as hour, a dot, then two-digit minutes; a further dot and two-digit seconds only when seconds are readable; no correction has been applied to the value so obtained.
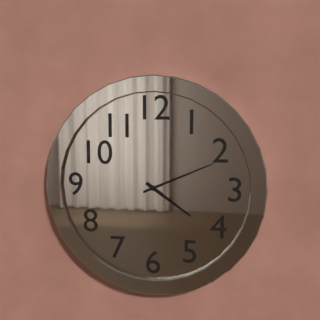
4.11
